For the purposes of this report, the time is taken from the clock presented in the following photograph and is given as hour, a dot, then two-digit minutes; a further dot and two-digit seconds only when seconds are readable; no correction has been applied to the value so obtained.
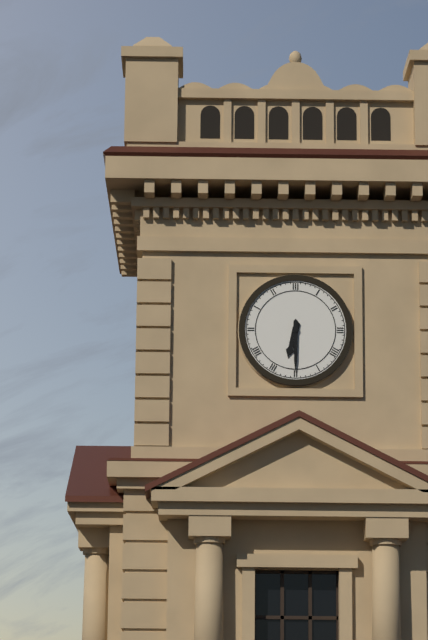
6.30
